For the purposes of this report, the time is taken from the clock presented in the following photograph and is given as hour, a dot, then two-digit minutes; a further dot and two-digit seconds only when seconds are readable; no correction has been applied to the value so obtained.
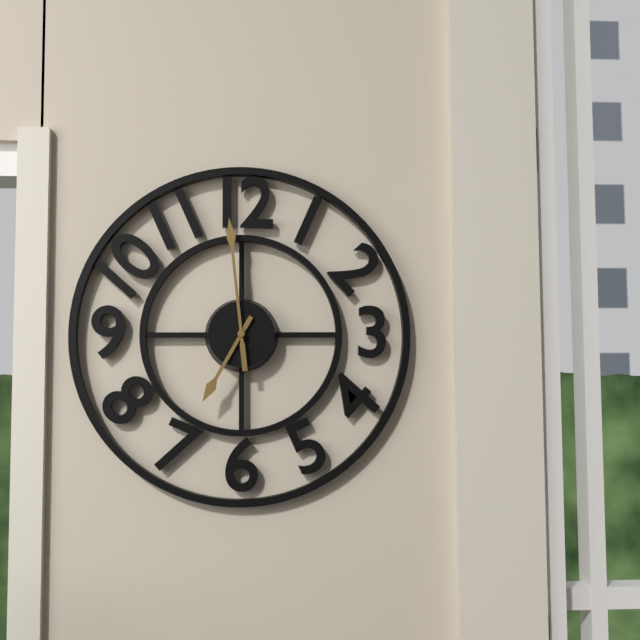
6.59
